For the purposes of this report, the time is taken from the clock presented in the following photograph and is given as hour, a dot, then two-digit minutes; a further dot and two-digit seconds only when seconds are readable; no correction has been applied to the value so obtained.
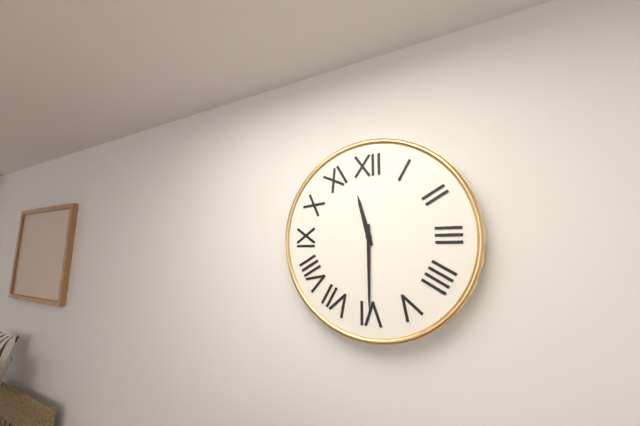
11.30
